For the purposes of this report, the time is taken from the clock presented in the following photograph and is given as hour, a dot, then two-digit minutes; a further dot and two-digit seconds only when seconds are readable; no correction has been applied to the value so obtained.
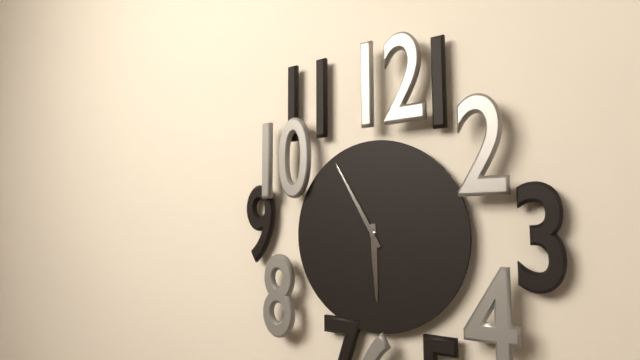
5.55
